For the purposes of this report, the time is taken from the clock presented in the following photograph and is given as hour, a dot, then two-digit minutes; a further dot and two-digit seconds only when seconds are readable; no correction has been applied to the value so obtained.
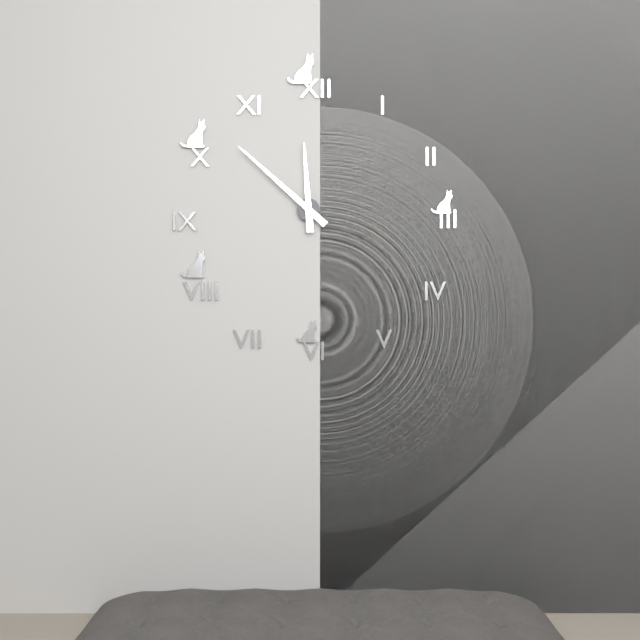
11.52
